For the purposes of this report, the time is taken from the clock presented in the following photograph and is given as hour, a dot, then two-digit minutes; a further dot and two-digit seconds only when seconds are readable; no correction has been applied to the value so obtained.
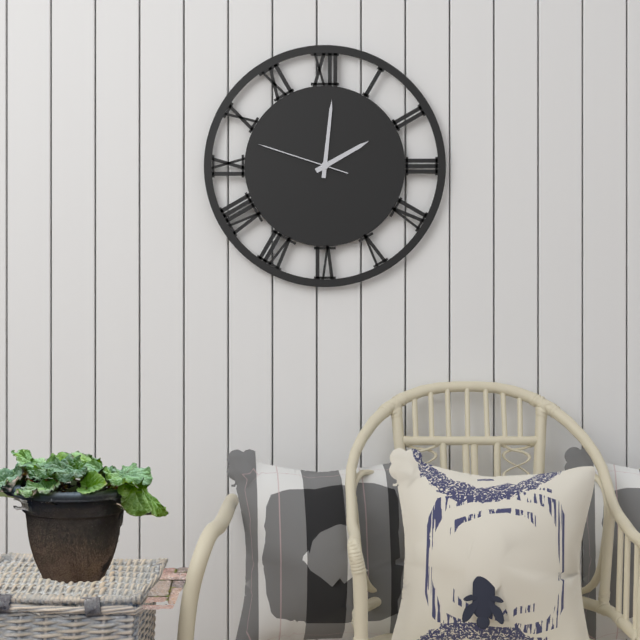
2.01.48
